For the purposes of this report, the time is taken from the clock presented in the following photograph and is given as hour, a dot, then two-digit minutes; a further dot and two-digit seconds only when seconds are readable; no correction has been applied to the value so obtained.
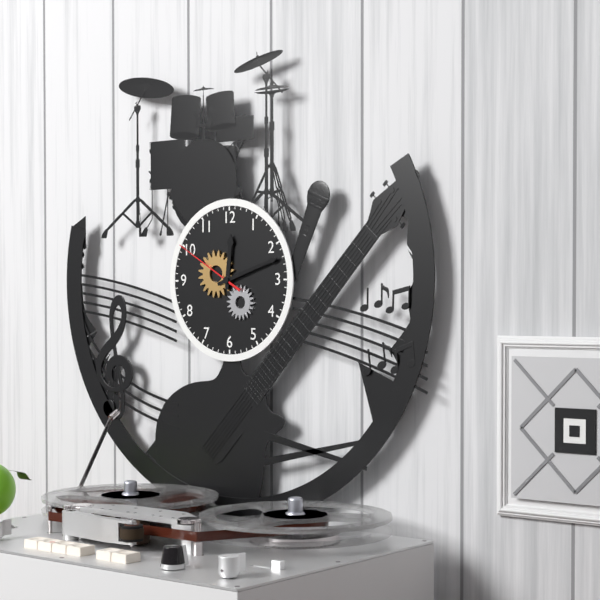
12.12.50
